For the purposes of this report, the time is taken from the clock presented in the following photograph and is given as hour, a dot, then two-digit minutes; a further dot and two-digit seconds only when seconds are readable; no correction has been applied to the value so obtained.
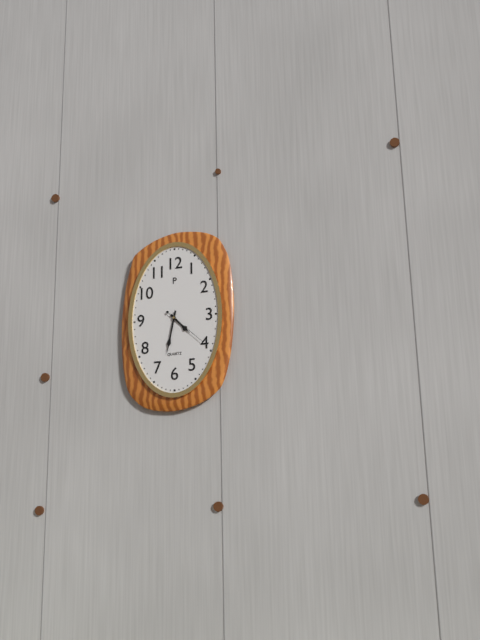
4.32
